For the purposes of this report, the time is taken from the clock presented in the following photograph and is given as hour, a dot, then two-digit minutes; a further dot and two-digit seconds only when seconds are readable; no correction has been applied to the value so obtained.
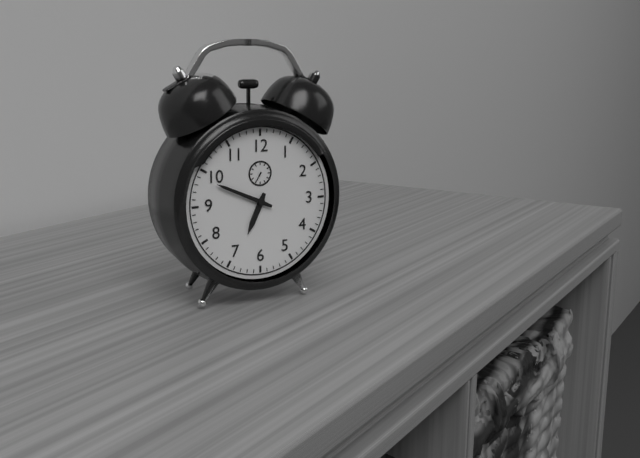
6.49
